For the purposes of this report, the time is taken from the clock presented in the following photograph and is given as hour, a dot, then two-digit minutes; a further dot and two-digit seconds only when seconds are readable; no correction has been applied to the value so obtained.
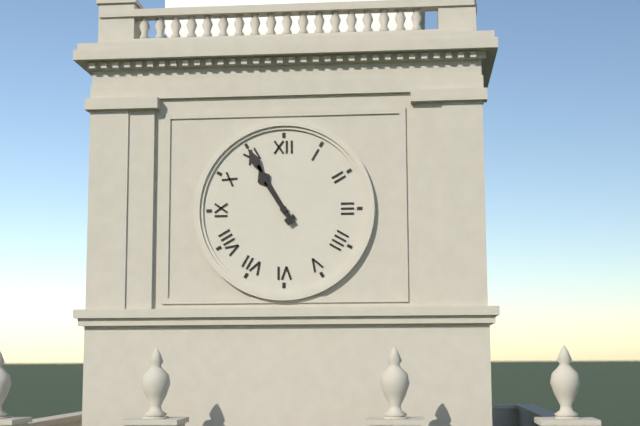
10.55
